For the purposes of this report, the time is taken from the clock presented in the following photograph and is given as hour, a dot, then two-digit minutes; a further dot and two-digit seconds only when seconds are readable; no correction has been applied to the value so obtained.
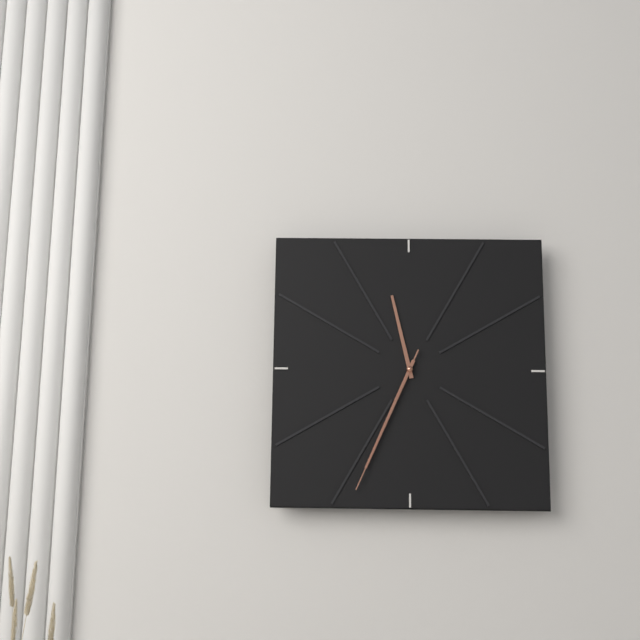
11.34.34
